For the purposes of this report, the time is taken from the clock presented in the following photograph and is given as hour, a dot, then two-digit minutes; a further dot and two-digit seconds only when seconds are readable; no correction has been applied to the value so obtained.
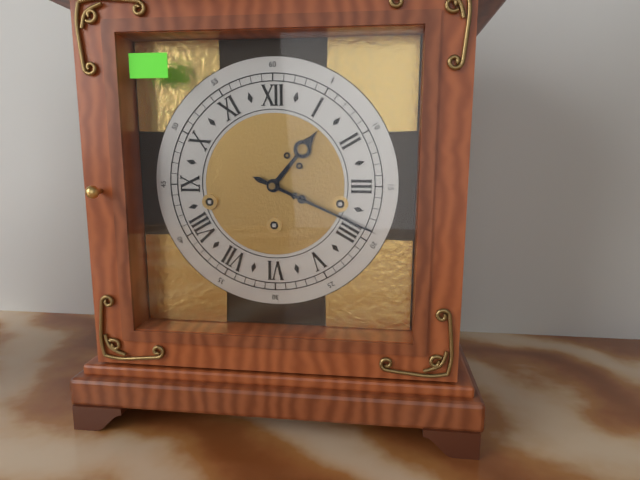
1.19
